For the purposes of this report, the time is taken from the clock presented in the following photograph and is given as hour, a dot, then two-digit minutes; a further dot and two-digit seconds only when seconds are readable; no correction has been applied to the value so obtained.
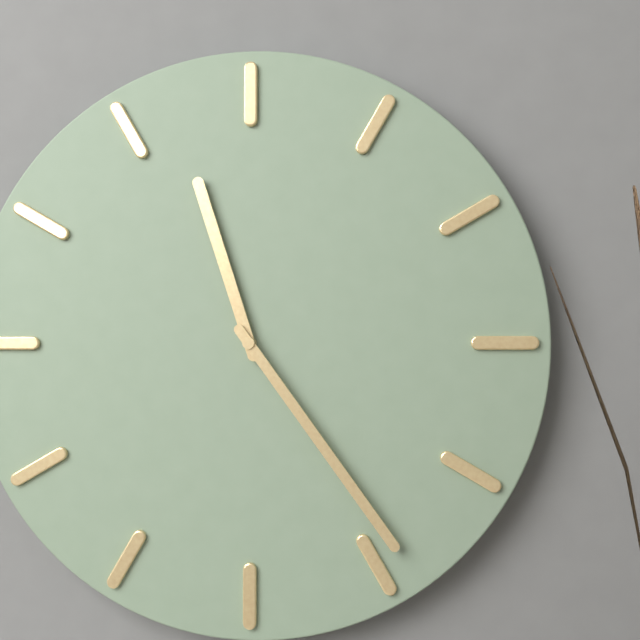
11.24
